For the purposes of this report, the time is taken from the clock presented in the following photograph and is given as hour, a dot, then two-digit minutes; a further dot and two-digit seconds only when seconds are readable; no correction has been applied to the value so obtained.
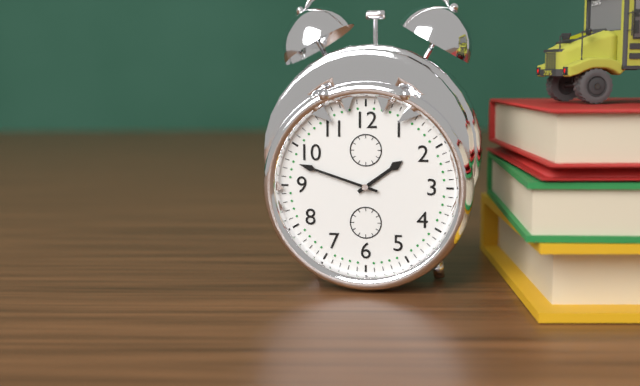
1.48
